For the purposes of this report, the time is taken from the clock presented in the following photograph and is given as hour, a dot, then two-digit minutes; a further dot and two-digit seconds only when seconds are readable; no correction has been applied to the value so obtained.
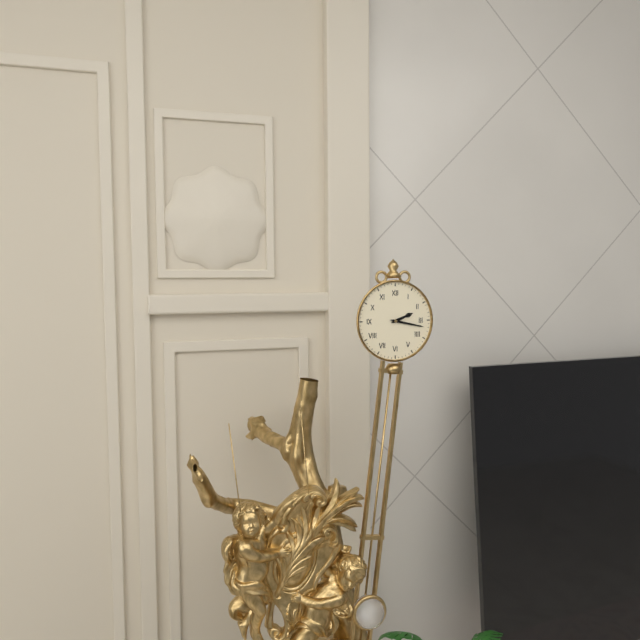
2.17
